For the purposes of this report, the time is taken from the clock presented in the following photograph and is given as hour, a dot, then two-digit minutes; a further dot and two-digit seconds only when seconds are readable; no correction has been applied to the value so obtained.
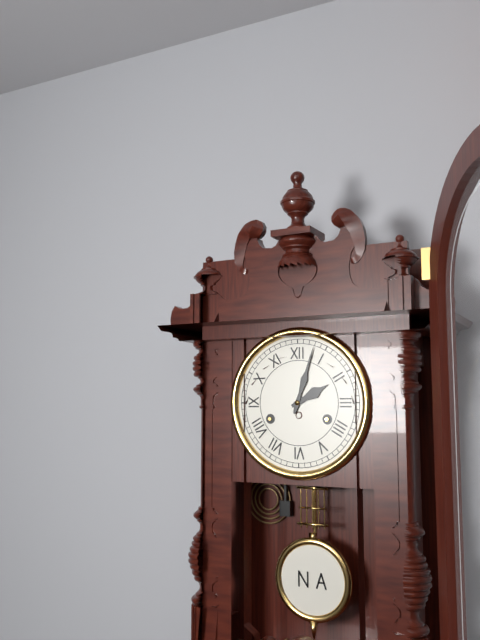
2.03
